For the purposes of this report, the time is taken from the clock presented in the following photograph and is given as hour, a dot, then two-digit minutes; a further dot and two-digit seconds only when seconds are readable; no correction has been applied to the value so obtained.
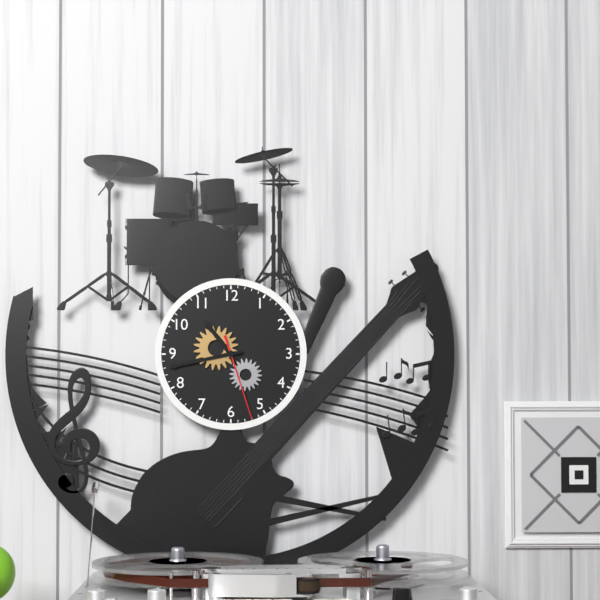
10.43.27
